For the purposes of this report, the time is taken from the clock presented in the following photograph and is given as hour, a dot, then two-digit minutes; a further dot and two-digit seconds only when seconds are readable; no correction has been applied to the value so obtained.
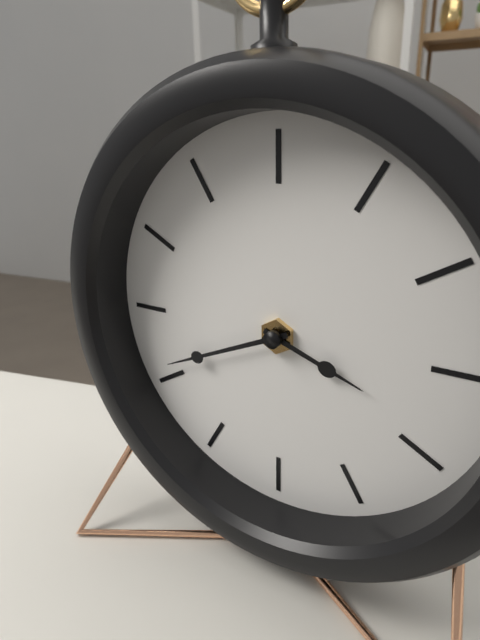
3.41
